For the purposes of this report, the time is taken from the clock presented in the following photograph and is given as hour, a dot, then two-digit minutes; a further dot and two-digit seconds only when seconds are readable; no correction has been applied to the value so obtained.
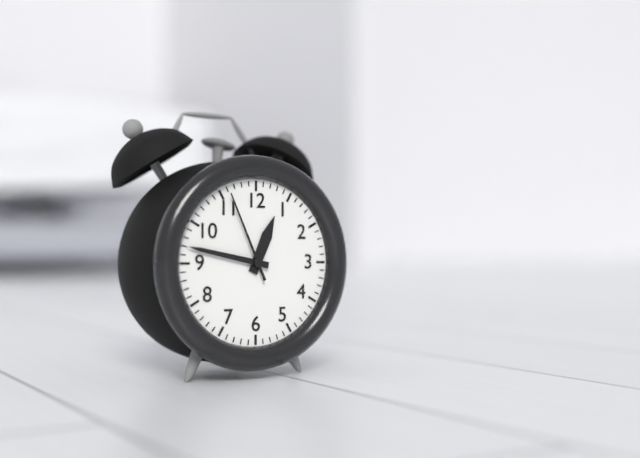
12.47.56
